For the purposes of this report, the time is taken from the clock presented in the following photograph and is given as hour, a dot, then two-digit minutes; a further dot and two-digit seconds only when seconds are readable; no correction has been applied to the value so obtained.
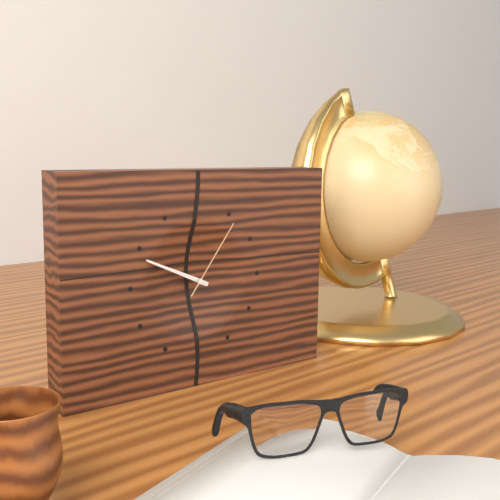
9.49.06
